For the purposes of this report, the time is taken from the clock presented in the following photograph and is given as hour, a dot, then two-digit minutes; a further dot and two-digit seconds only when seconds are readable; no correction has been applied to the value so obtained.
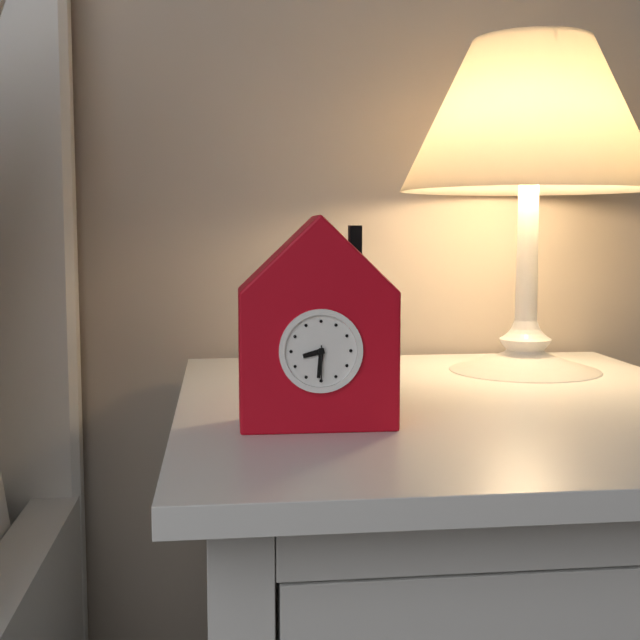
8.31
